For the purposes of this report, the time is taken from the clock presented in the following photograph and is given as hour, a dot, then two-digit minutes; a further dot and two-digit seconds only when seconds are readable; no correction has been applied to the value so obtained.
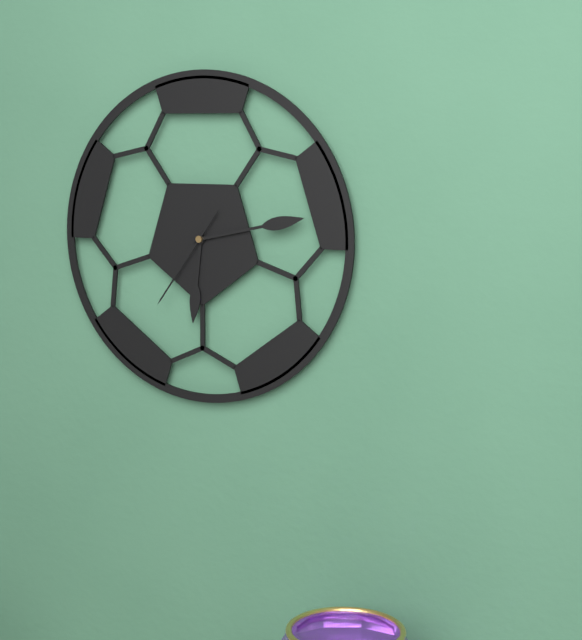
6.13.36
